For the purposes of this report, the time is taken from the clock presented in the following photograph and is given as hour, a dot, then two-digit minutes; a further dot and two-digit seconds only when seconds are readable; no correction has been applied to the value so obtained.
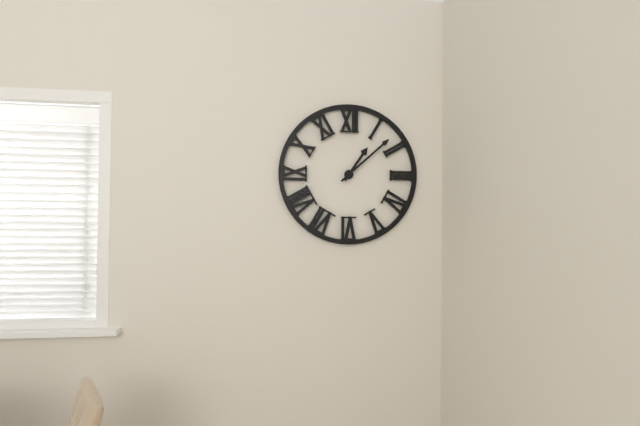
1.08
